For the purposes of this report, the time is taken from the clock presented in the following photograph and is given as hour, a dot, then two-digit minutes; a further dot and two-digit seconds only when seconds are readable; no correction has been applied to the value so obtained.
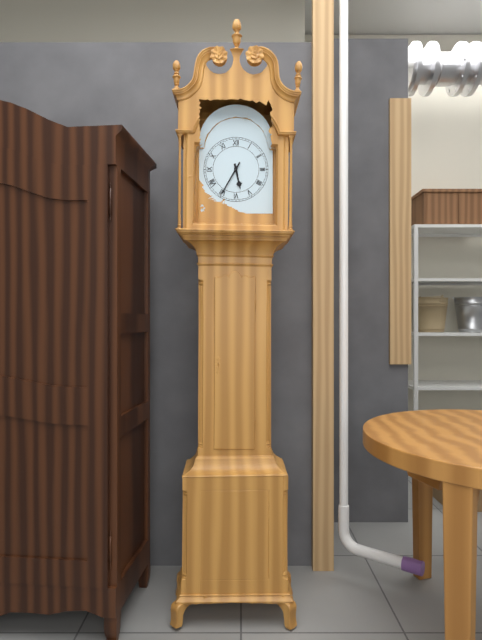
5.35
